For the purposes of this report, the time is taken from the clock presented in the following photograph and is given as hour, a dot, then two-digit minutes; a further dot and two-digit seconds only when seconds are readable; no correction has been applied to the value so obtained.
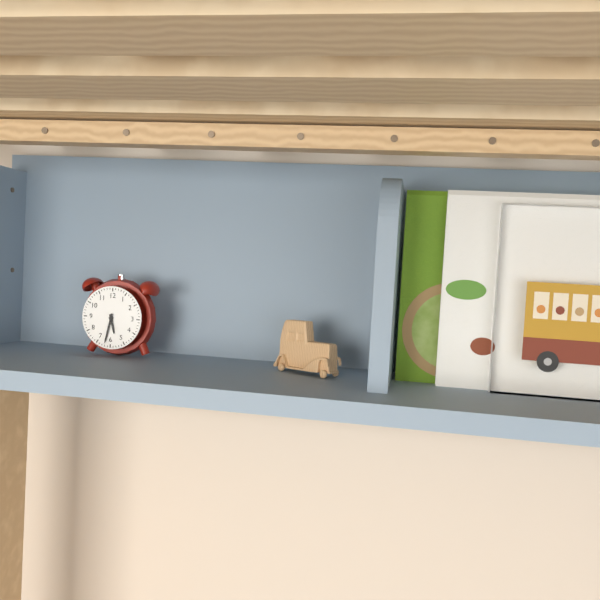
5.32
